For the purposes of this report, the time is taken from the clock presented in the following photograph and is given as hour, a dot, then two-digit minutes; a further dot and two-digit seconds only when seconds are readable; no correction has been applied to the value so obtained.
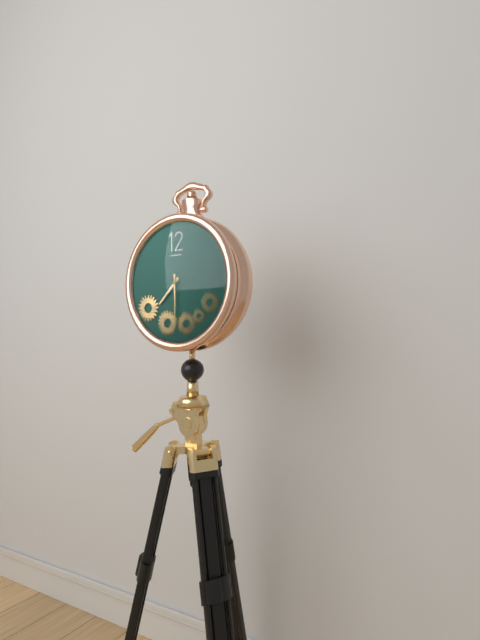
7.30
